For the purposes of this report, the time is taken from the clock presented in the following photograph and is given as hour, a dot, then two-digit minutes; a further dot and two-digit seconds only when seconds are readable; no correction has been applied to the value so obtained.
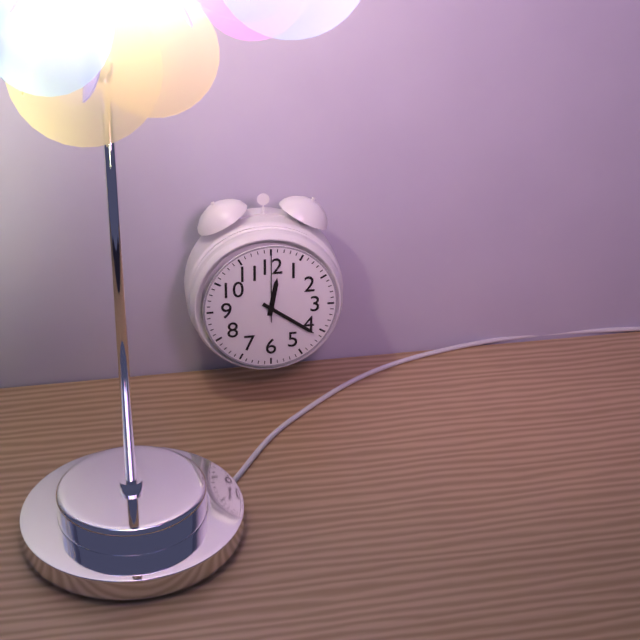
12.21.00
